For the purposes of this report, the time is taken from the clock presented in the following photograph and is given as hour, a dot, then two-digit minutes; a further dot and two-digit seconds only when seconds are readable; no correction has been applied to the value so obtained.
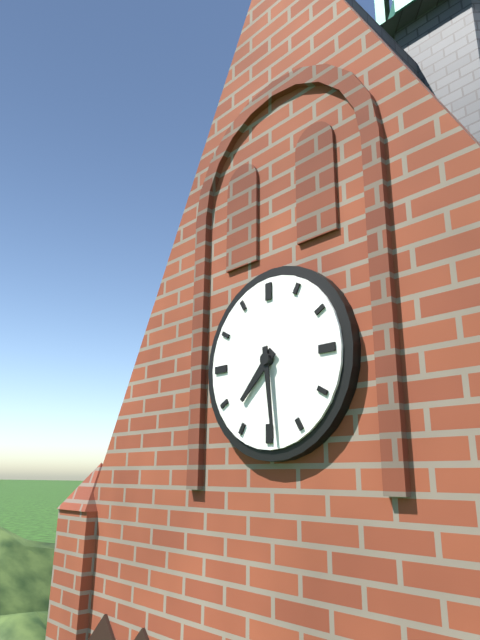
7.29
